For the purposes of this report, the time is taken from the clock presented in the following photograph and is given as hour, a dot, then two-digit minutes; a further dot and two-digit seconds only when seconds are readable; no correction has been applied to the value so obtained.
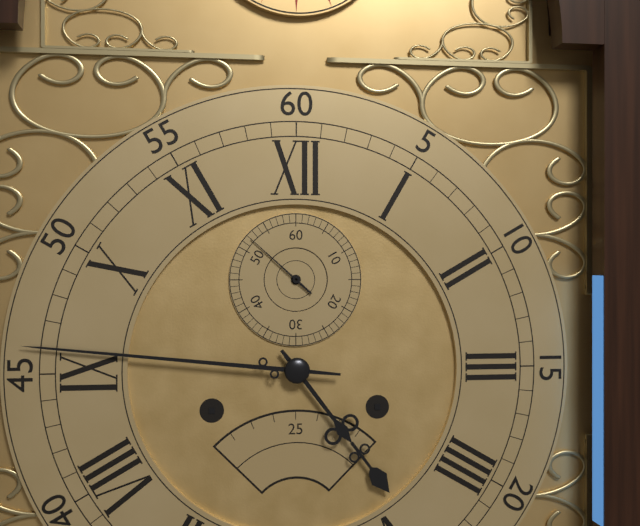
4.46.52
